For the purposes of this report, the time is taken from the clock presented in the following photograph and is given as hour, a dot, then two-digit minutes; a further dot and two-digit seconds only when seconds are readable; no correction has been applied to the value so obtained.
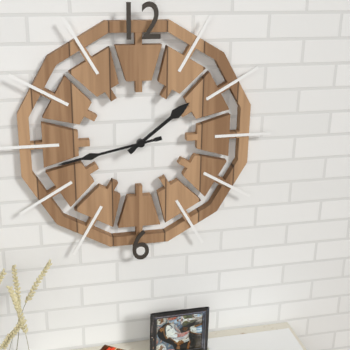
1.43
